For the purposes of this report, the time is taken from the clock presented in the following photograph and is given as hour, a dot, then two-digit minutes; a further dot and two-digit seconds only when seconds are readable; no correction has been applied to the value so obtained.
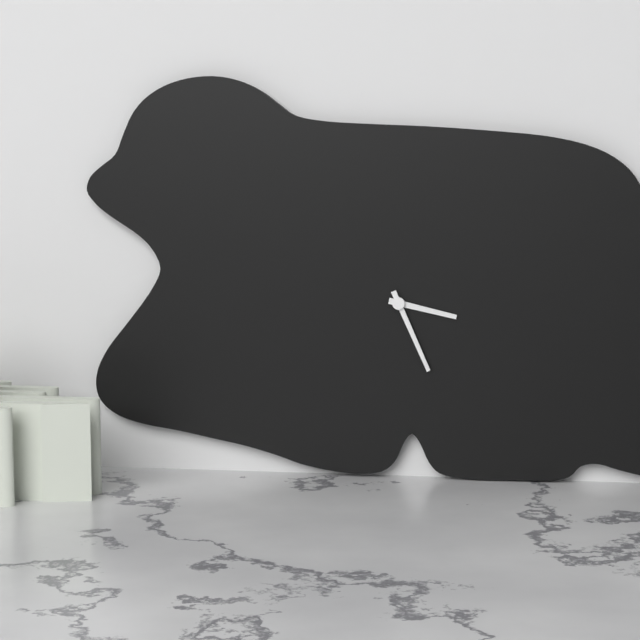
3.26
